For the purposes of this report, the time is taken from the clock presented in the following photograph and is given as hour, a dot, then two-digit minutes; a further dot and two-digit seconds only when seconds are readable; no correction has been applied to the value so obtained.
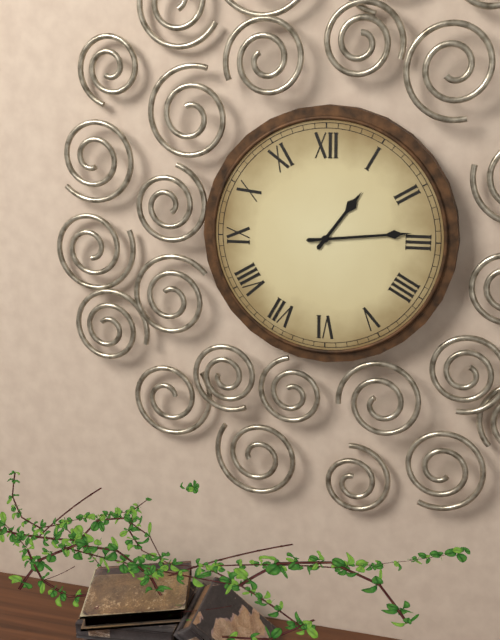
1.14
